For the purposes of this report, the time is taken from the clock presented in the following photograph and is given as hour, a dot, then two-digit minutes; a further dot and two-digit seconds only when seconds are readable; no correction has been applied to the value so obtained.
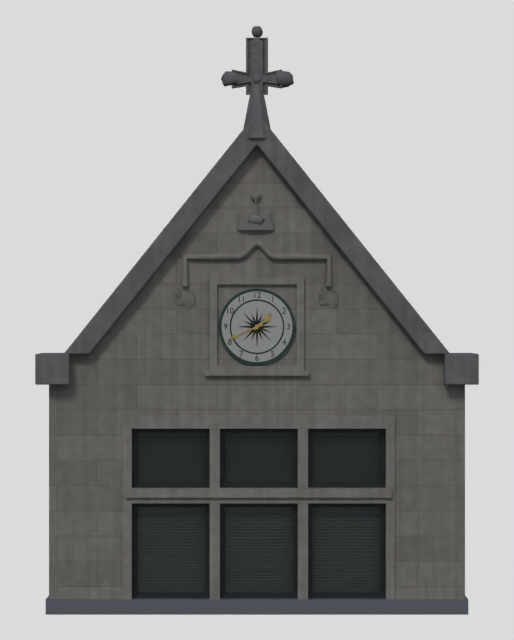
1.41
